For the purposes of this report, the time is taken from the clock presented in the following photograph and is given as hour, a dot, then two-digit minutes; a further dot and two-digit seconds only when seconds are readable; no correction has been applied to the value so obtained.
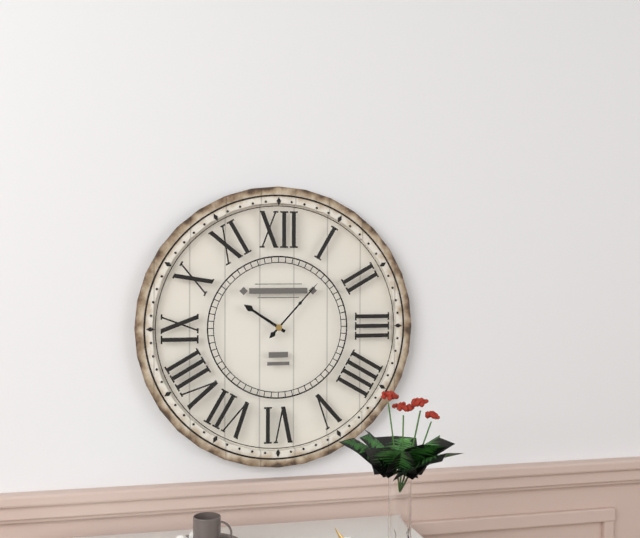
10.07
